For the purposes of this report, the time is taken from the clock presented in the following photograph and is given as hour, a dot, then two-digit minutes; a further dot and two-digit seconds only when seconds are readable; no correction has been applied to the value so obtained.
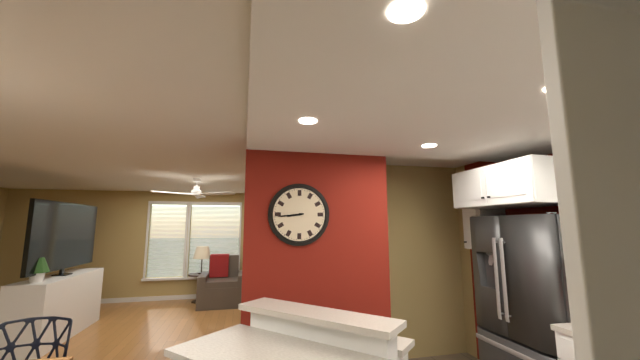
8.44
